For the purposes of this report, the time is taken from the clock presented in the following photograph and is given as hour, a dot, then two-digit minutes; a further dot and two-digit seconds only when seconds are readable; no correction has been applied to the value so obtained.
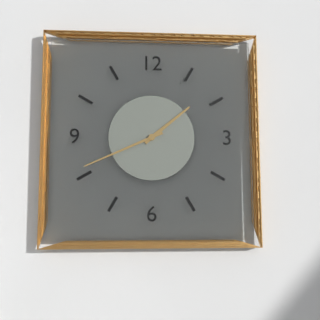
1.41
